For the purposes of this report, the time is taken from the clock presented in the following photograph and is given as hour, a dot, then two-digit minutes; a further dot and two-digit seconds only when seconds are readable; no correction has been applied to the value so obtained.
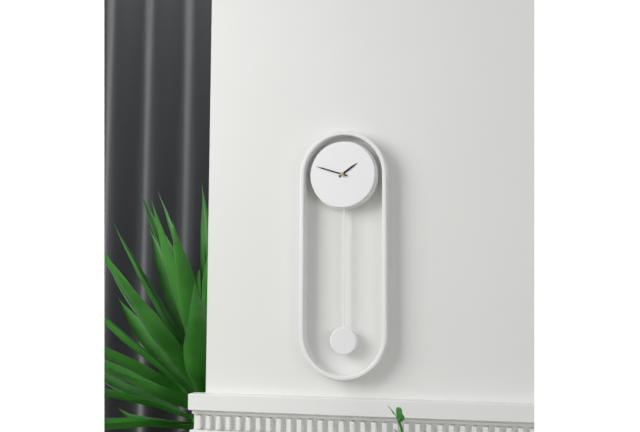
1.48
